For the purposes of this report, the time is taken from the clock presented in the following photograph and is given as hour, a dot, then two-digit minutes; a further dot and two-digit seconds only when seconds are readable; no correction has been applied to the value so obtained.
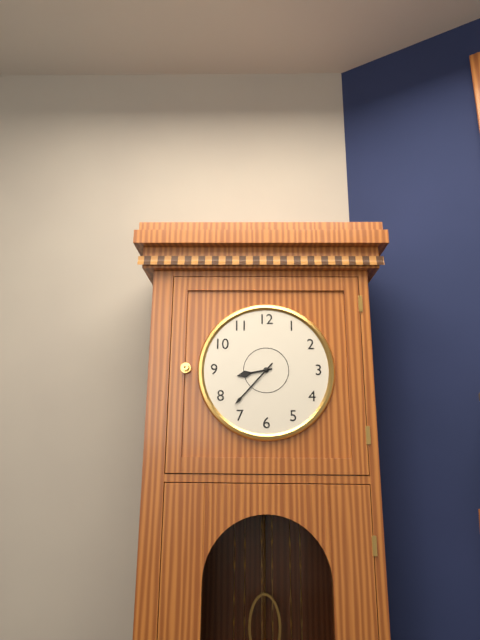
8.37
